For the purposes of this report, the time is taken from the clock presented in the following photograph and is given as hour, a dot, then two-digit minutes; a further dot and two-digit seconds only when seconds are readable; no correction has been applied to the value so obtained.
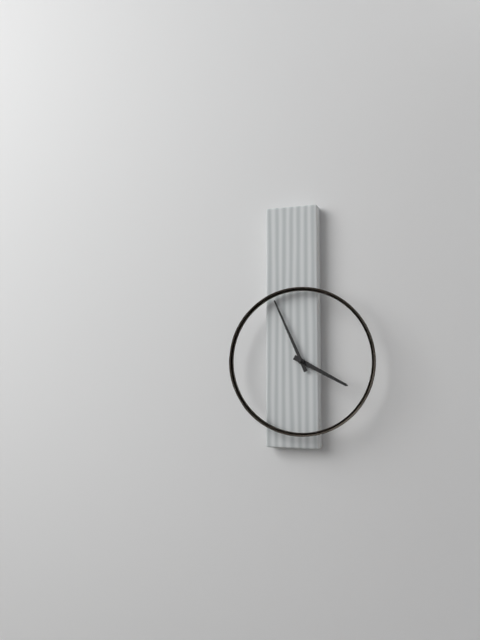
3.56
